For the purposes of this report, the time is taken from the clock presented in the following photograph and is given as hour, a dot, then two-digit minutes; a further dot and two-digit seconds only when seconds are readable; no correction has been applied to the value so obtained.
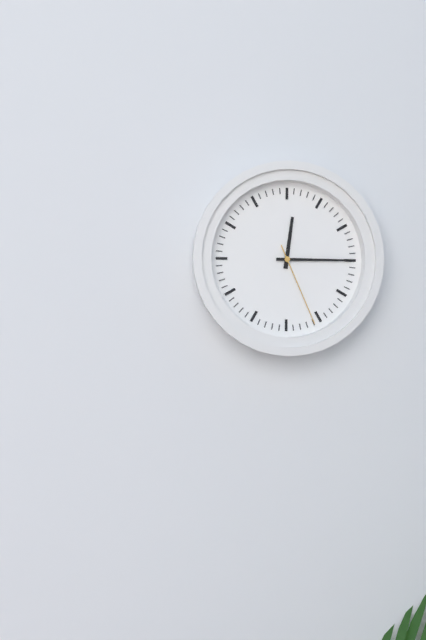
12.15.26
